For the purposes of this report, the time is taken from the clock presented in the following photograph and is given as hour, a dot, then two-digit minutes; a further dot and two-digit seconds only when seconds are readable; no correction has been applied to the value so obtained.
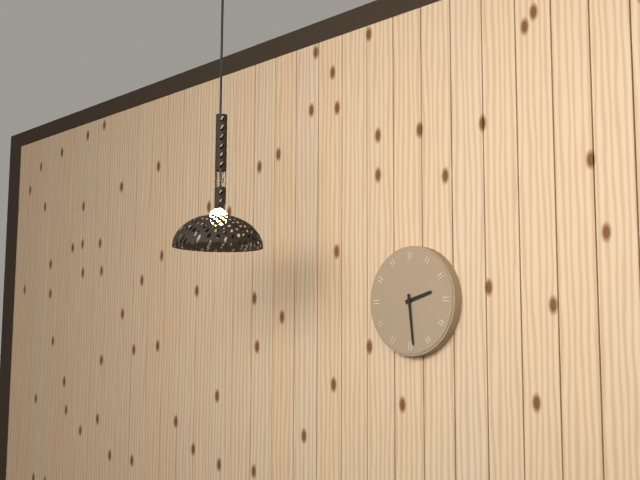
2.29
